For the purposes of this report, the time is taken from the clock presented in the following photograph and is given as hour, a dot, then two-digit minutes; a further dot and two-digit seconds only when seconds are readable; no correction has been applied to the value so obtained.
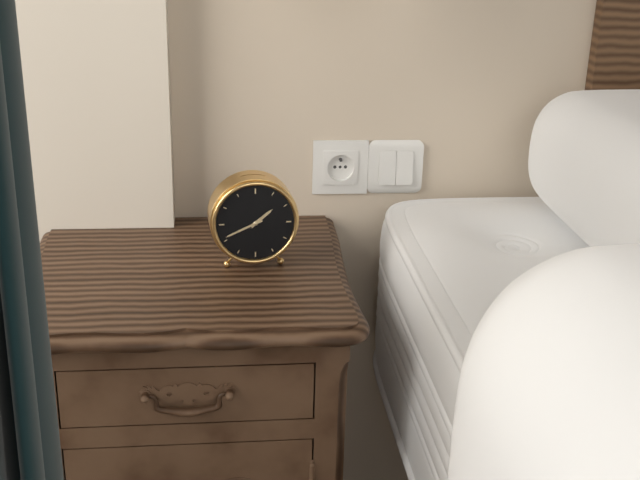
1.41
